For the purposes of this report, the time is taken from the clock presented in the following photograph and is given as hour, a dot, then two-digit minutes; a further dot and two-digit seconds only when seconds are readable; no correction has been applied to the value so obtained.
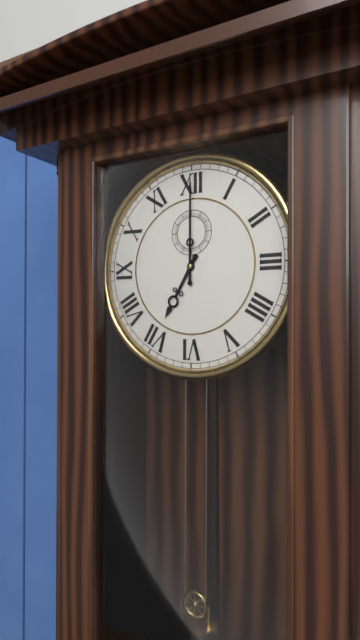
7.00
